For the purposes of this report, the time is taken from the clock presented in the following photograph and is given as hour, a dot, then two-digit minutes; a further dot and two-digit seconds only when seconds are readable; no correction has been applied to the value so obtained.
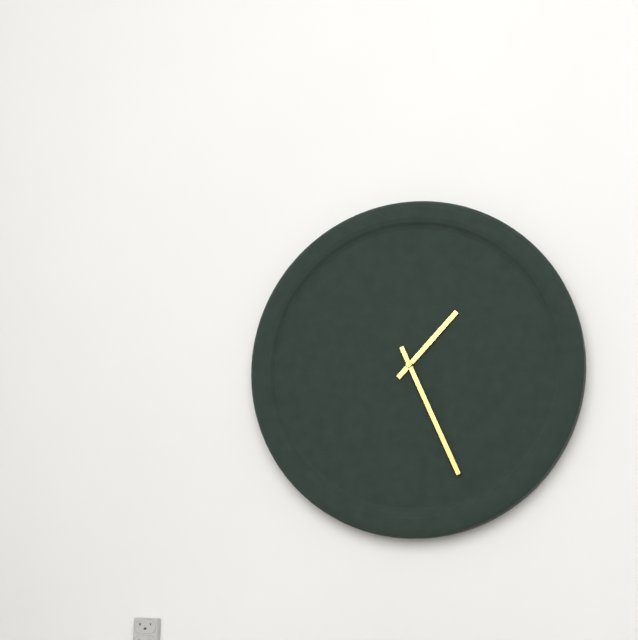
1.26
